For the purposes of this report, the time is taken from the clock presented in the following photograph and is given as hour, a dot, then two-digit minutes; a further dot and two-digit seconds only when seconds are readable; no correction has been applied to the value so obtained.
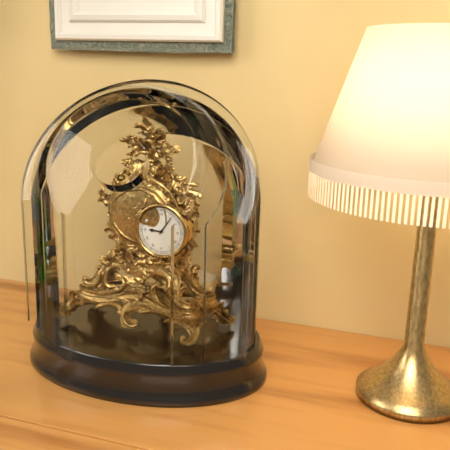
9.06
